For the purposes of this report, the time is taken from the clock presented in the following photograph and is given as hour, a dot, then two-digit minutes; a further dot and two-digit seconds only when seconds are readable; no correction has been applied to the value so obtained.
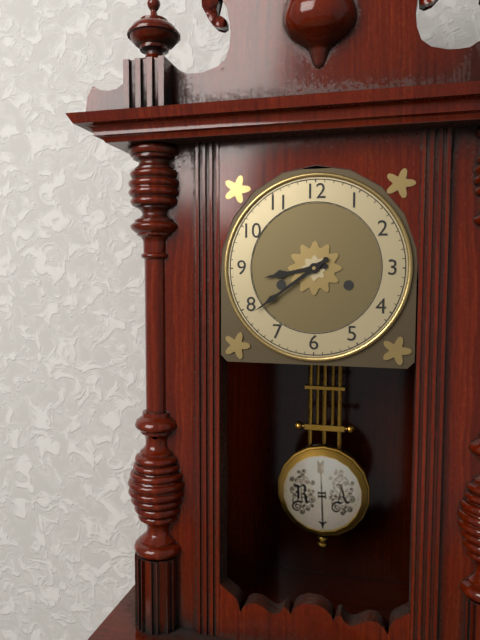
8.39
